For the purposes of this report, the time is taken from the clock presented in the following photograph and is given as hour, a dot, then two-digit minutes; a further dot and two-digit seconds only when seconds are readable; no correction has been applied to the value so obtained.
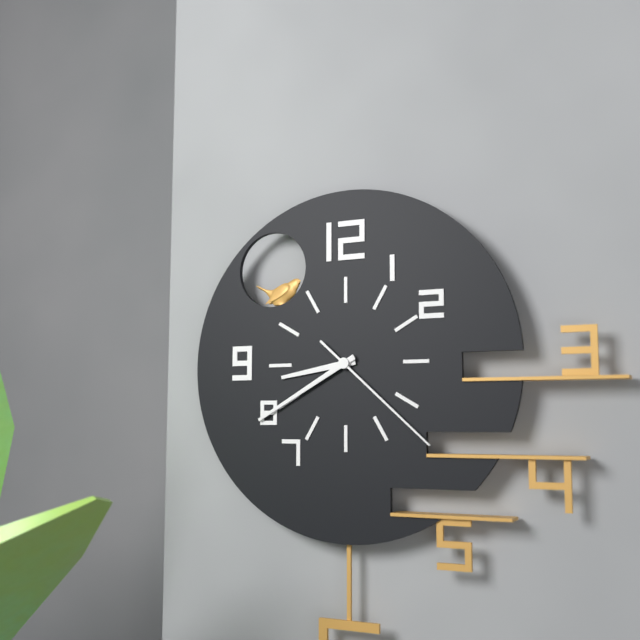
8.40.22
